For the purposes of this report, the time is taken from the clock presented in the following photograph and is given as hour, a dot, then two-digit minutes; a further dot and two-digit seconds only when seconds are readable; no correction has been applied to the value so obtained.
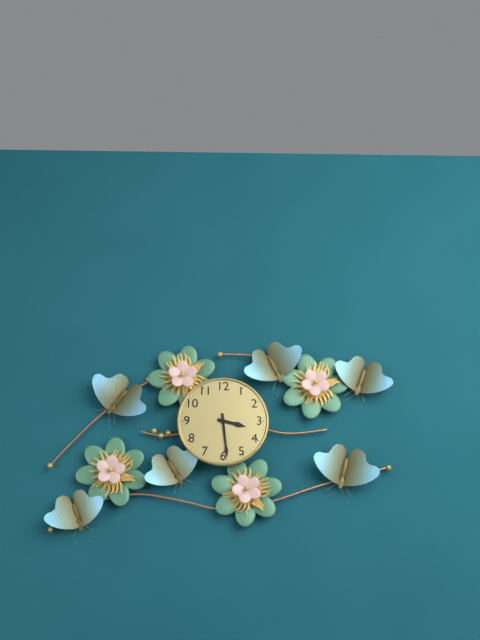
3.29
